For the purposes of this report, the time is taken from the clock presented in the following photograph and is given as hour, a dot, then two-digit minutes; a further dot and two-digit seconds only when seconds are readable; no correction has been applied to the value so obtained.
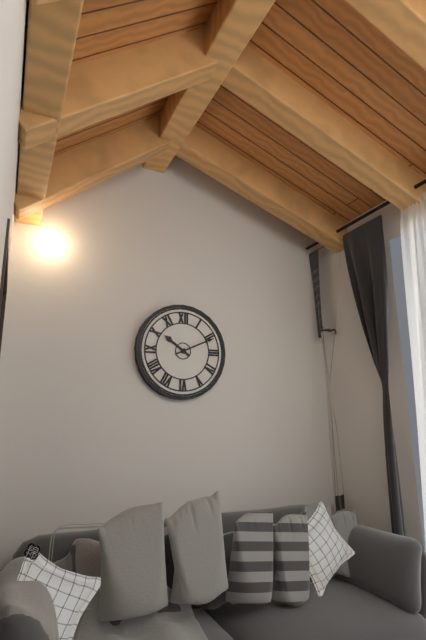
10.11
